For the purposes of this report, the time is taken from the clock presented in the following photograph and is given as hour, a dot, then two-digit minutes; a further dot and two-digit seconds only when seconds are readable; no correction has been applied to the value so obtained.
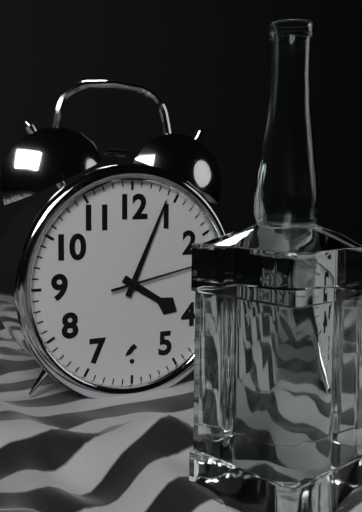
4.04.13
